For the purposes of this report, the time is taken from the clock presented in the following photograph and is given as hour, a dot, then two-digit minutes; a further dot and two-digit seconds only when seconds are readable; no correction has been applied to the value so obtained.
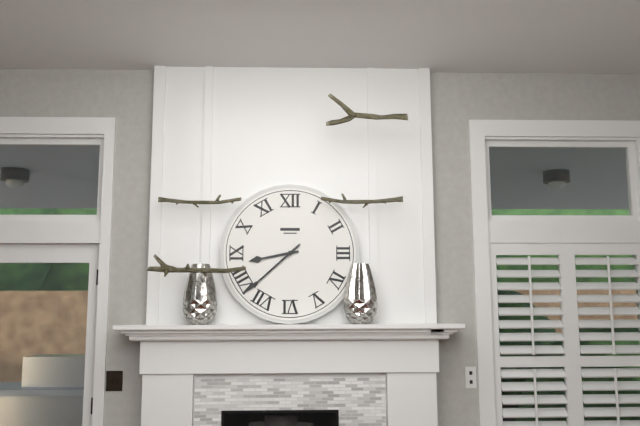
8.38
